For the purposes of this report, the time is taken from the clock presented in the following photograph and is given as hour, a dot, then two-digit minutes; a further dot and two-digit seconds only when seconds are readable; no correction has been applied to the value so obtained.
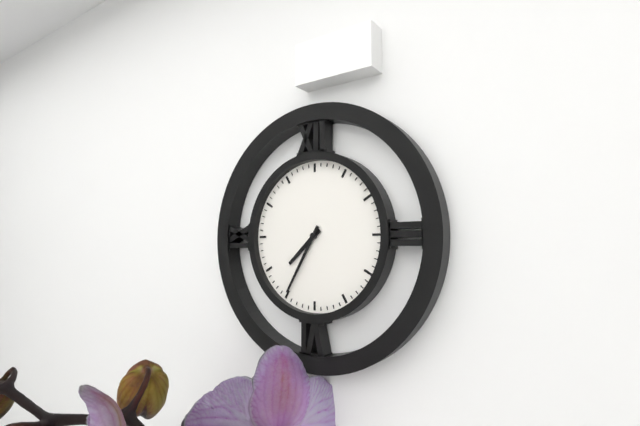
7.35
